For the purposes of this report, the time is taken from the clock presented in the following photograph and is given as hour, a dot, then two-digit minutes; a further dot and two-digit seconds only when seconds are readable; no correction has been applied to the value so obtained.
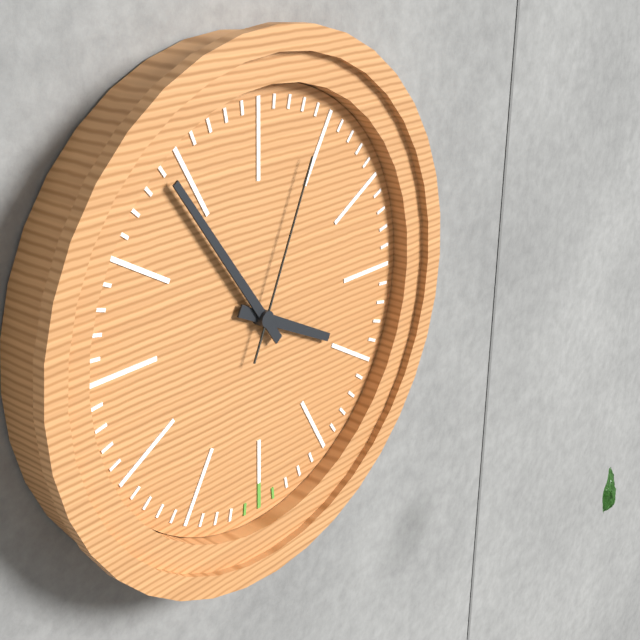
3.54.04
